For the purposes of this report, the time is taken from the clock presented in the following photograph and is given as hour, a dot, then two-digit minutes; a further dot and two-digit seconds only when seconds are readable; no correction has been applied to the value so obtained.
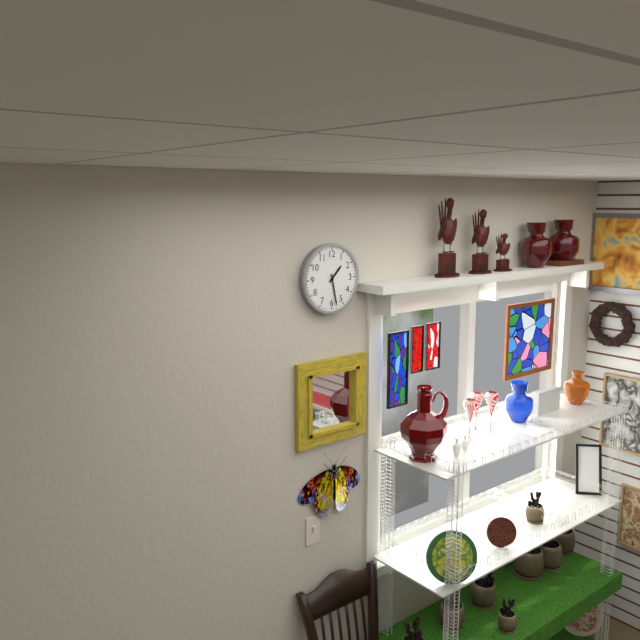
1.28
